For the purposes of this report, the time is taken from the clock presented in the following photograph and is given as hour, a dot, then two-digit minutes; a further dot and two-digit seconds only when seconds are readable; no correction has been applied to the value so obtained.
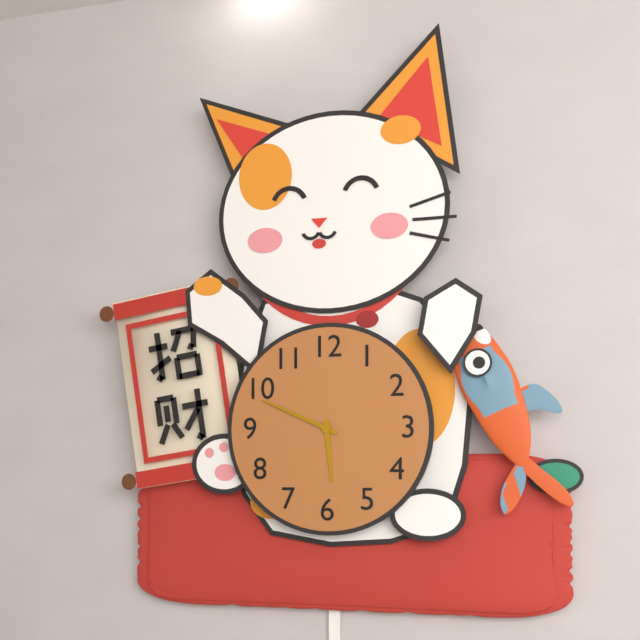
5.49
